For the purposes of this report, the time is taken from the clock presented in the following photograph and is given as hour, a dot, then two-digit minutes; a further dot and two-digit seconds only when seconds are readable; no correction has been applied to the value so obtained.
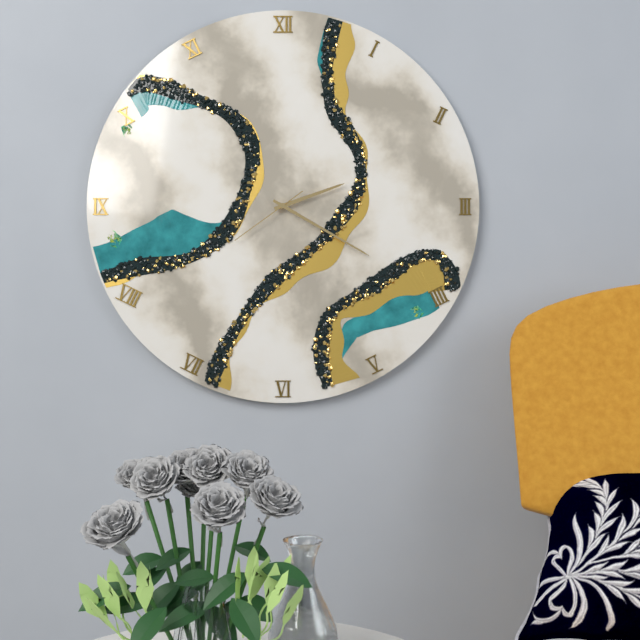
2.20.39
